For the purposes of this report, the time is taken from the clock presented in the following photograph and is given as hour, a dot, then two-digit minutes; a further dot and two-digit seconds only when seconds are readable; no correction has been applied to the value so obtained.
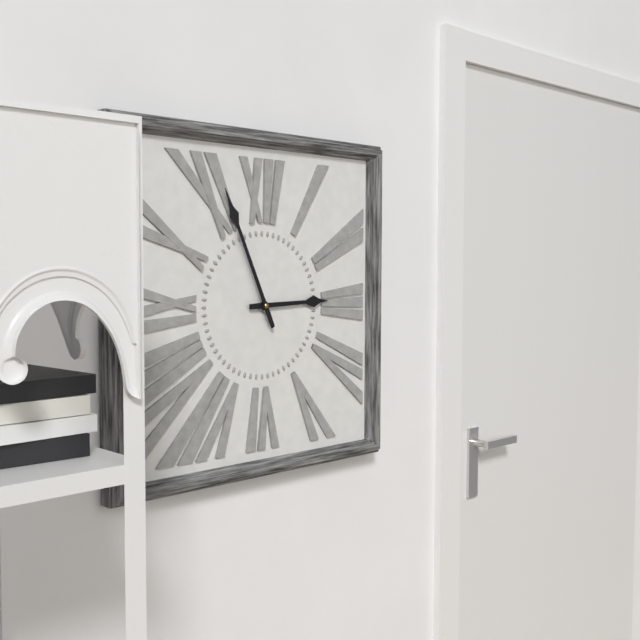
2.56
